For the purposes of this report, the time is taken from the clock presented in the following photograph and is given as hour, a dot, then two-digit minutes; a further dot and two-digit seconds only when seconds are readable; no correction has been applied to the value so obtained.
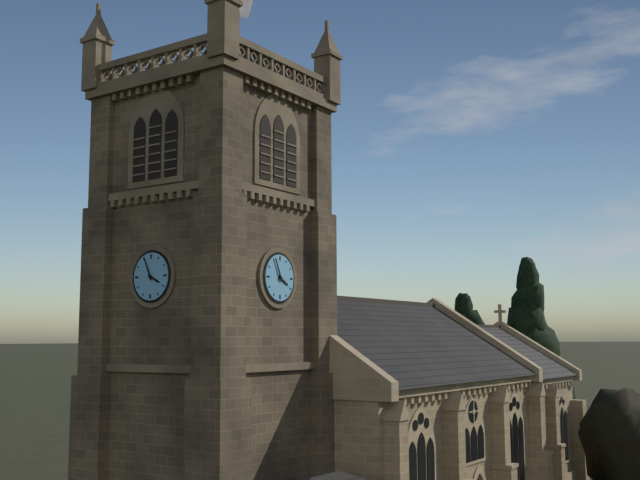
3.56
